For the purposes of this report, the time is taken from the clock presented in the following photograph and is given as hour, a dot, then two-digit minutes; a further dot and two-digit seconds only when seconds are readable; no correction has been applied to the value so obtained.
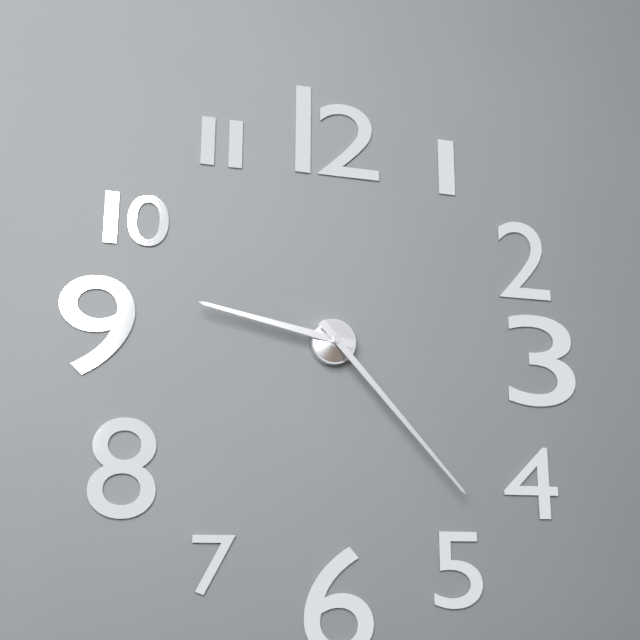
9.23
